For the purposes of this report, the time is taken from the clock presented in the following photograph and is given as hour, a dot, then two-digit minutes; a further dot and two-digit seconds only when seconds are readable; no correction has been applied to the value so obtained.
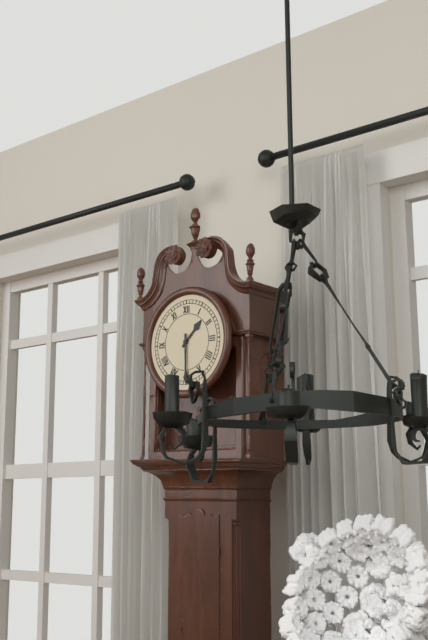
1.30
